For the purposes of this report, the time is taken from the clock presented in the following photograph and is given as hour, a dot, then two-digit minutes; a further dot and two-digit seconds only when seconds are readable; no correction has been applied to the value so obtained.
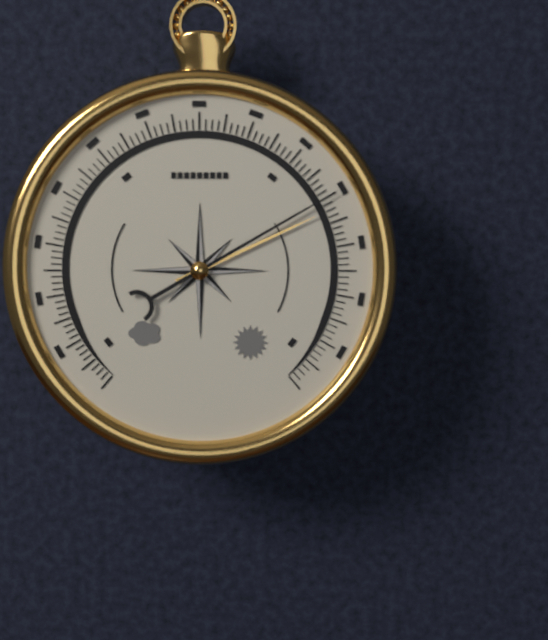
2.10
